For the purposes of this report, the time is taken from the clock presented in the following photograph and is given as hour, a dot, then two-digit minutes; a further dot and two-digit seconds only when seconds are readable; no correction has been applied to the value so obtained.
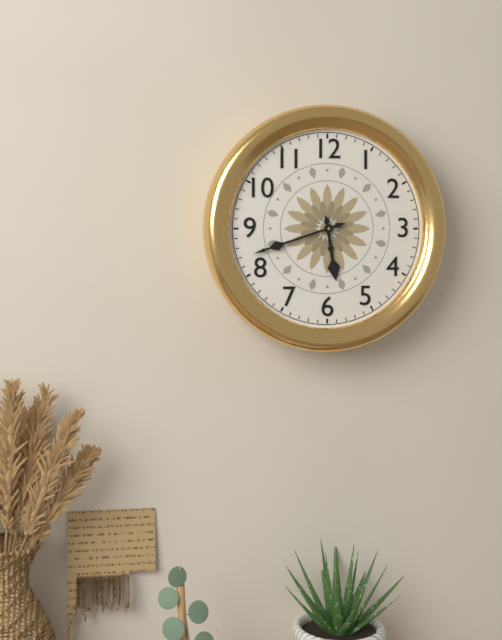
5.42
